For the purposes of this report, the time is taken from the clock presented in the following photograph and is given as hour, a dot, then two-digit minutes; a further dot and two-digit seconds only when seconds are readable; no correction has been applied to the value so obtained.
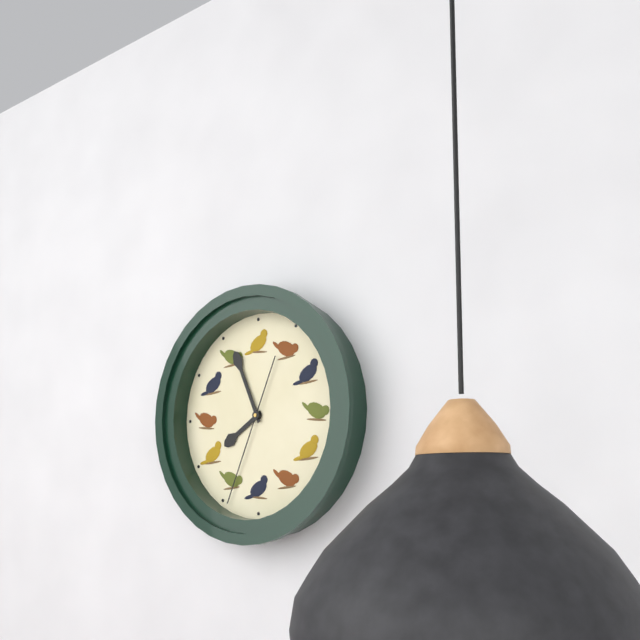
7.56.34
